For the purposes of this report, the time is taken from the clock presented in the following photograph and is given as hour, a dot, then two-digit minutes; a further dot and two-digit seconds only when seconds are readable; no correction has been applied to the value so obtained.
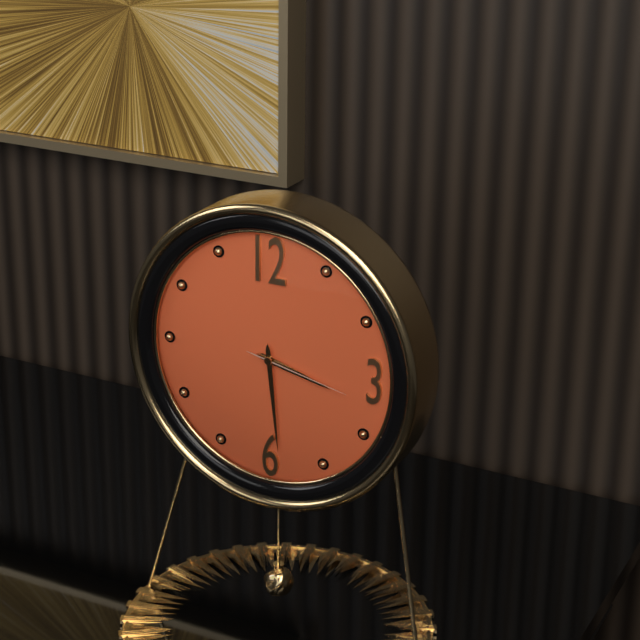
3.29.17
